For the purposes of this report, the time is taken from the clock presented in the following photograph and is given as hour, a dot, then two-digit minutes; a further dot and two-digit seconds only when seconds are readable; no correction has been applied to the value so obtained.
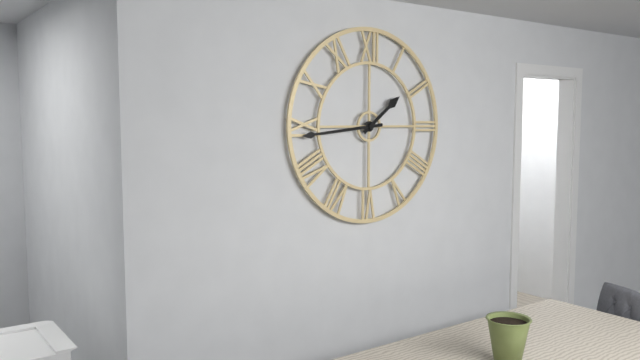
1.44
